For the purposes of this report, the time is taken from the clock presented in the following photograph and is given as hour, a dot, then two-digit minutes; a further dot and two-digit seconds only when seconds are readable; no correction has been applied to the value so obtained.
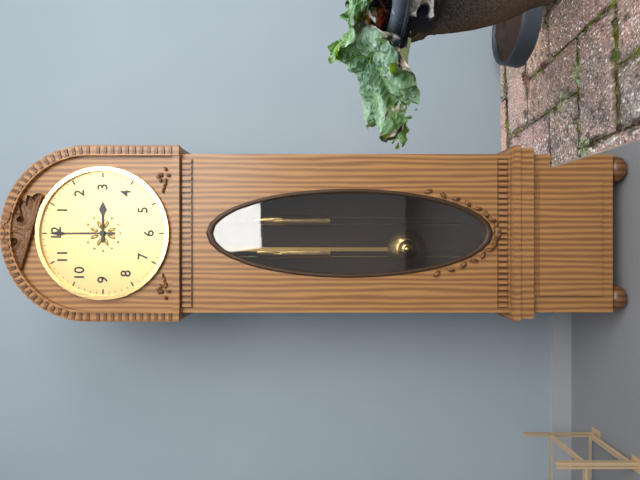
3.00
